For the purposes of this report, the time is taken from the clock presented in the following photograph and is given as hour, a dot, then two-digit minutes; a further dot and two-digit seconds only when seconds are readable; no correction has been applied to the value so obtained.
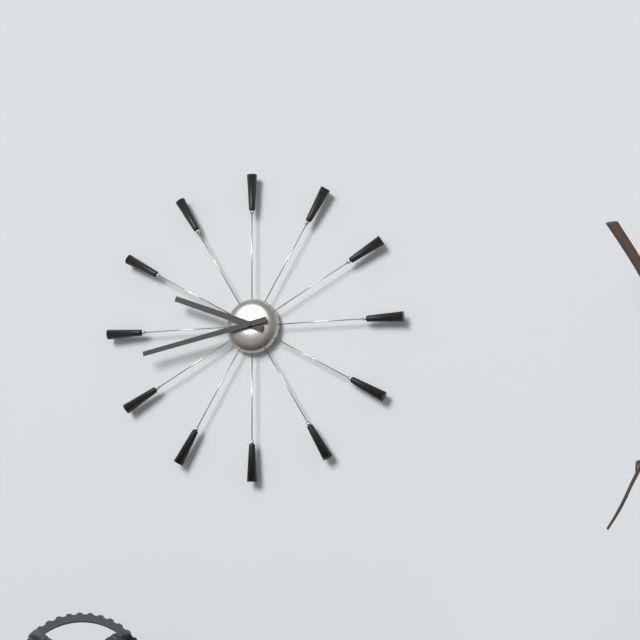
9.43
